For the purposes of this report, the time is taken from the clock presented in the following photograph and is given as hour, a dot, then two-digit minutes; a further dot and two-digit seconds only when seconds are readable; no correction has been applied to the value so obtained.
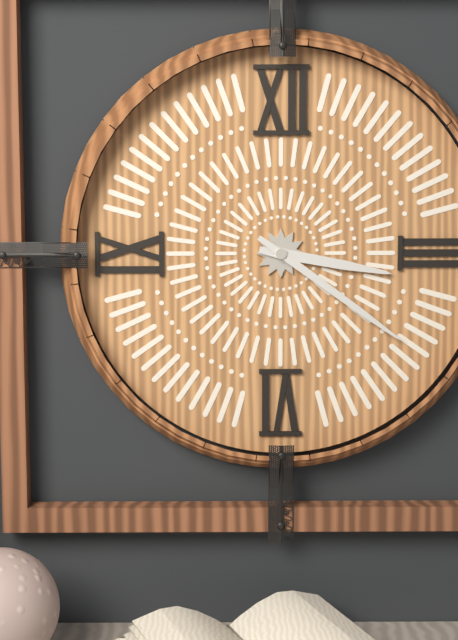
3.21
